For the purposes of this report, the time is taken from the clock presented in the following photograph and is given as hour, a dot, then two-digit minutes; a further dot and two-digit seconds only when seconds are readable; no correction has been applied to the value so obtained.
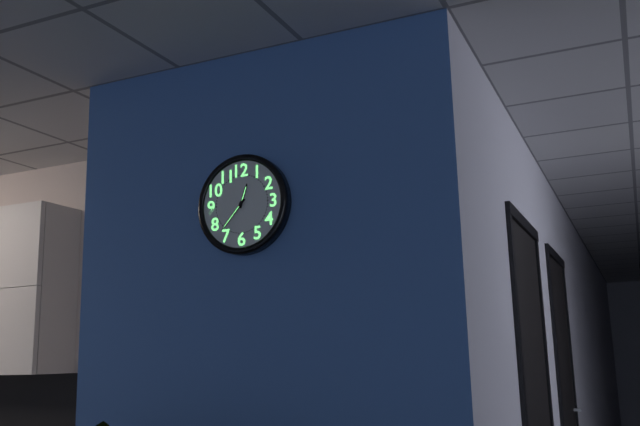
12.37
